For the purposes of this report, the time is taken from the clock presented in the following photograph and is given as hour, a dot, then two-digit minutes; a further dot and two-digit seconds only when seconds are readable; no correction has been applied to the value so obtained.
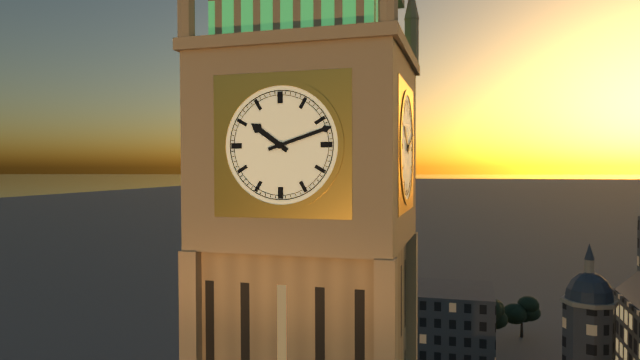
10.12
